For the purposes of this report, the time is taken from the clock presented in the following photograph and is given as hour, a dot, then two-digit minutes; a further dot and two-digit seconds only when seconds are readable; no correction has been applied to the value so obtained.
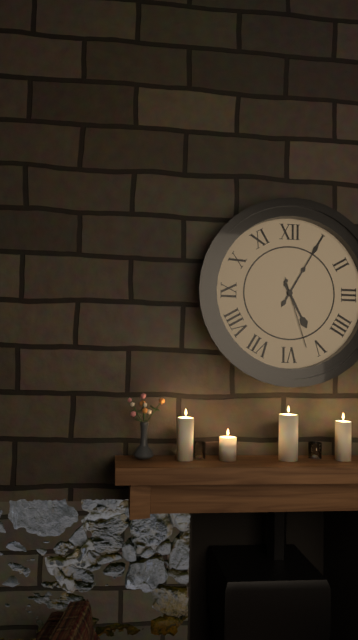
5.05.27
